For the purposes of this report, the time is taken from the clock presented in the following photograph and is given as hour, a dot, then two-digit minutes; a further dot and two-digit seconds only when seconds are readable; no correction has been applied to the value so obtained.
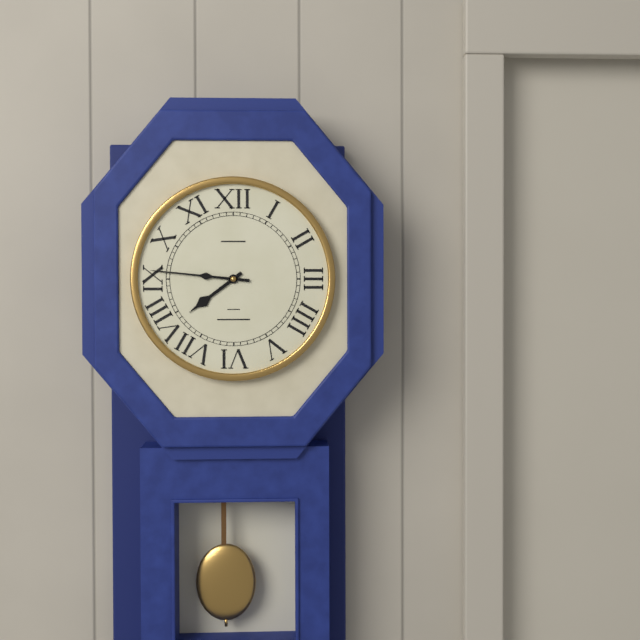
7.46
